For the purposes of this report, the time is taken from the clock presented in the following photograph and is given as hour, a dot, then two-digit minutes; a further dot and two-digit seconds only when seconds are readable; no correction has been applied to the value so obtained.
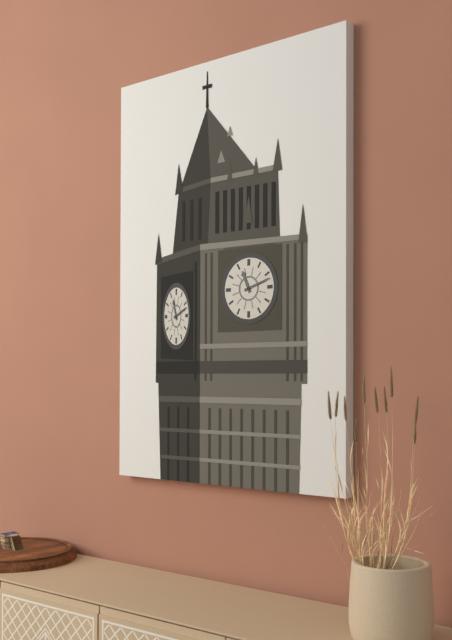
11.12
